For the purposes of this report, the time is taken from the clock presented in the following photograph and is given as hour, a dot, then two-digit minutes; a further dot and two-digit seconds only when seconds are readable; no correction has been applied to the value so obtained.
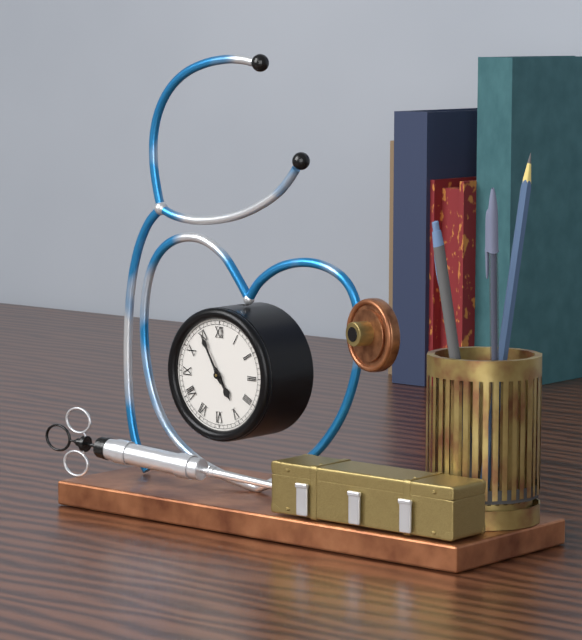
4.55
